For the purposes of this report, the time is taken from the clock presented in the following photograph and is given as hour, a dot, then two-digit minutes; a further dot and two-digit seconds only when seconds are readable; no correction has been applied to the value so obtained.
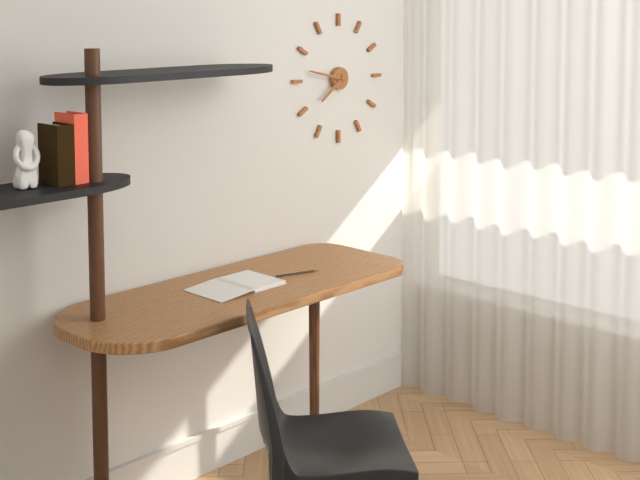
7.47
